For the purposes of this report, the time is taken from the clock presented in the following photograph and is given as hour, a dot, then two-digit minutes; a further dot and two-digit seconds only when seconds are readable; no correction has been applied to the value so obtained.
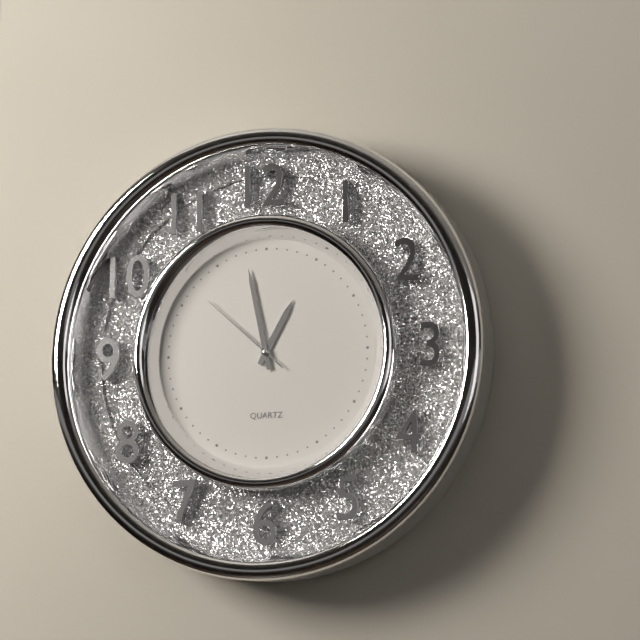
12.58.52
